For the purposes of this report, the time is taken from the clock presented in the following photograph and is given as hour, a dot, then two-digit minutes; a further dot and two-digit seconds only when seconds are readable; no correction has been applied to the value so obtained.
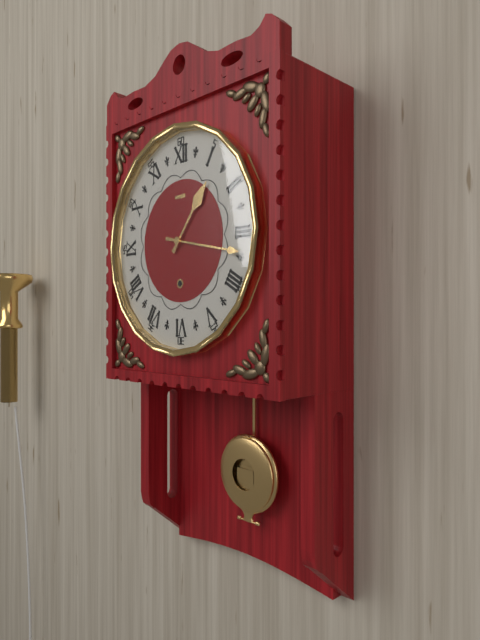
1.17
